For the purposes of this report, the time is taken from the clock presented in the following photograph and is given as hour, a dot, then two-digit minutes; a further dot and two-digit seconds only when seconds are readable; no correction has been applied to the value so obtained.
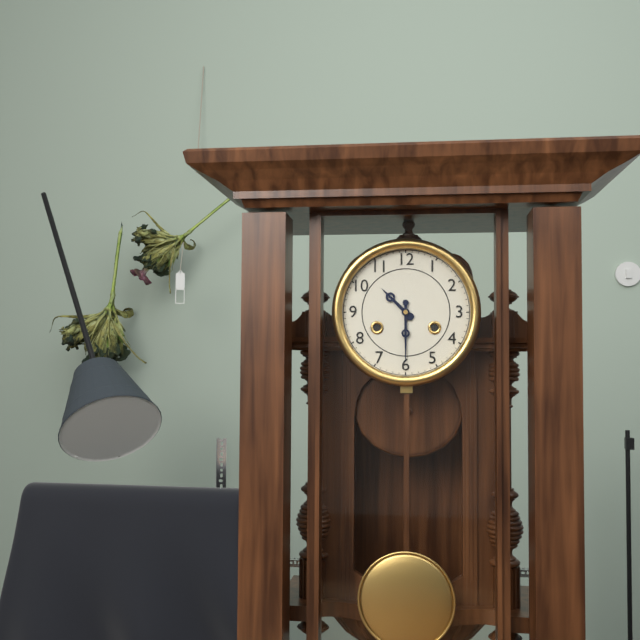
10.30
